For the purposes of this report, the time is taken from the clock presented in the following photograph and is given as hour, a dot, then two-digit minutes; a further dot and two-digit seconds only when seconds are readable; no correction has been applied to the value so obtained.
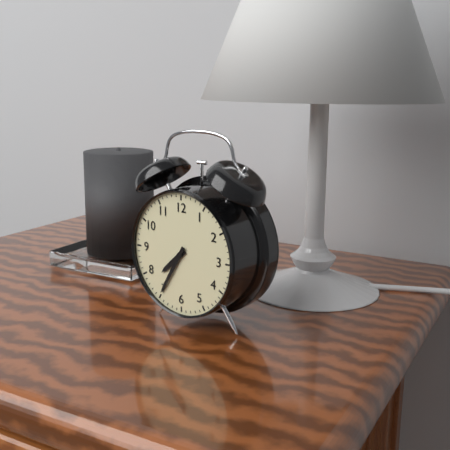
7.35
